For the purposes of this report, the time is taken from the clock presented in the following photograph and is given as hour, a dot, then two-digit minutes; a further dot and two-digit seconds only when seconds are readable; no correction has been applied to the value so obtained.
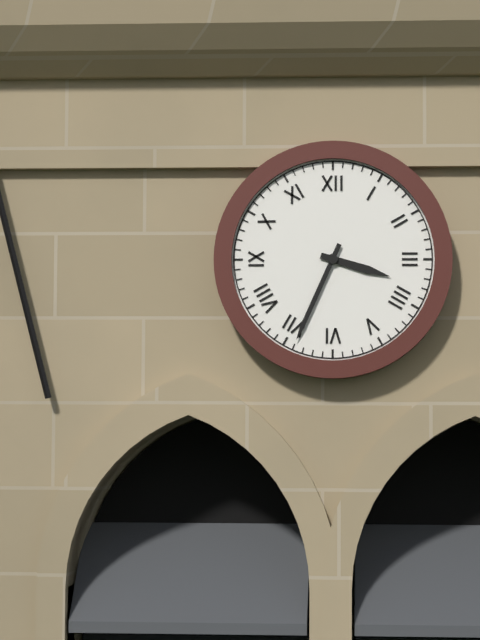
3.34
